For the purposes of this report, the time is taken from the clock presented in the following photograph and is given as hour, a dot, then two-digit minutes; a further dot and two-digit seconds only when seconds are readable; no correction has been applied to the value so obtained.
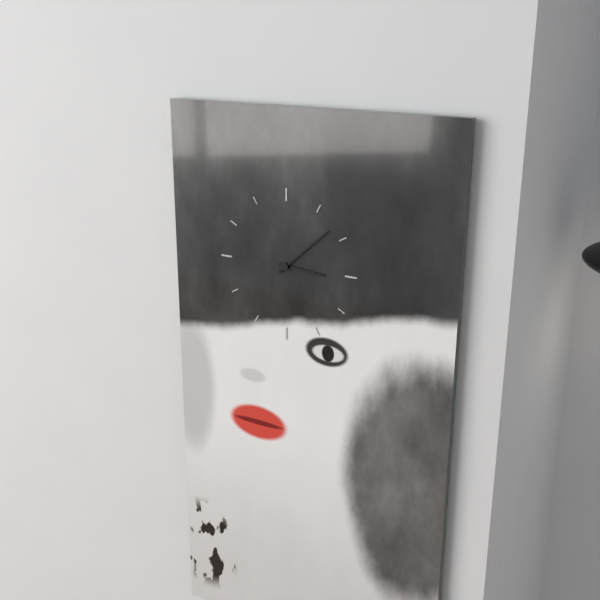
3.08
